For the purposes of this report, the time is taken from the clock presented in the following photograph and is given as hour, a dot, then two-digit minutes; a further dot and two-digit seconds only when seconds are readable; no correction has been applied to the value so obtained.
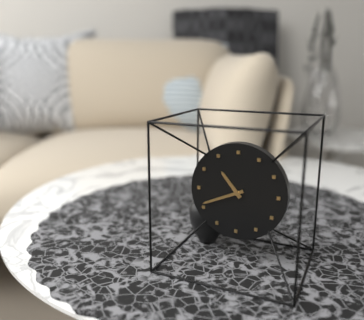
10.41
